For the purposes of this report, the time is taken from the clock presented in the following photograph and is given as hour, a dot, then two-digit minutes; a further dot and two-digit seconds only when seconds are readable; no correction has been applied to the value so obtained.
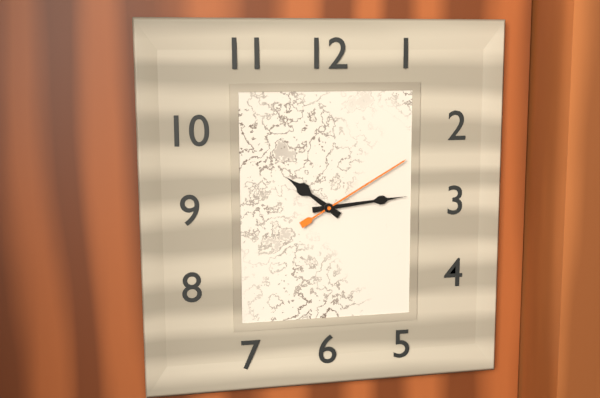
10.14.10
